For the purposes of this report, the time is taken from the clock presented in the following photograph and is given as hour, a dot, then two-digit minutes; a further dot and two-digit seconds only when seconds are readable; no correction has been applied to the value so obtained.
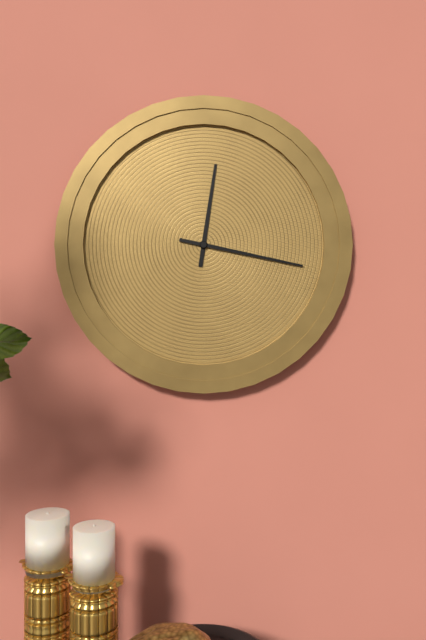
12.17
